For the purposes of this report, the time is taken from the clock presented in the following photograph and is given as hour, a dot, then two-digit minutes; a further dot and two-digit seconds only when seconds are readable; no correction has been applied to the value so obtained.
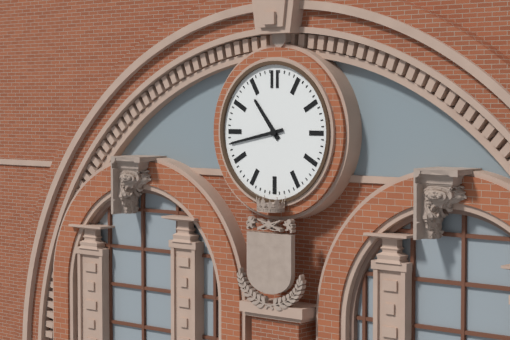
10.43
